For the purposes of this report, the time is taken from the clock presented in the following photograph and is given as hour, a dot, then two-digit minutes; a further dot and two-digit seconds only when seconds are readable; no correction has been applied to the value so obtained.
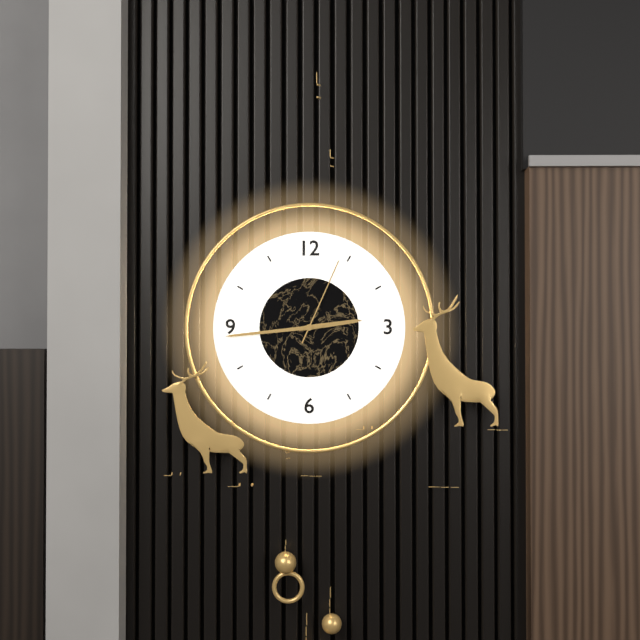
2.44.04
